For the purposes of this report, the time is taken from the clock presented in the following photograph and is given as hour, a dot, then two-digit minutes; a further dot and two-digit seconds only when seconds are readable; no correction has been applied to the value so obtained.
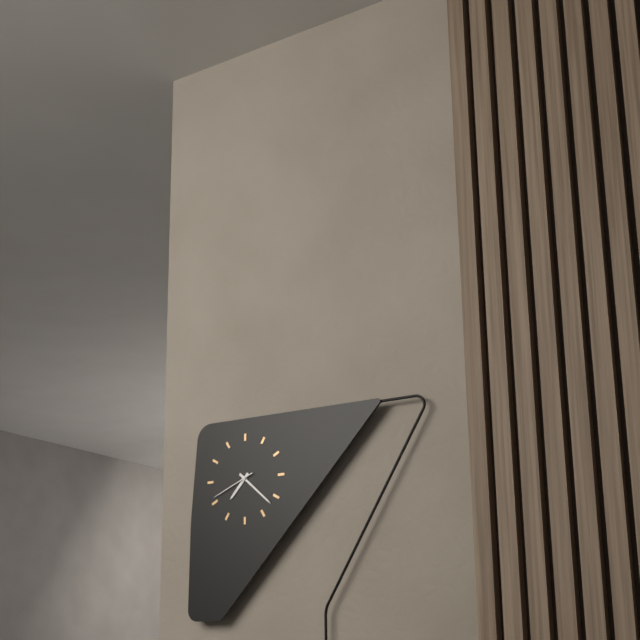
7.22.41
